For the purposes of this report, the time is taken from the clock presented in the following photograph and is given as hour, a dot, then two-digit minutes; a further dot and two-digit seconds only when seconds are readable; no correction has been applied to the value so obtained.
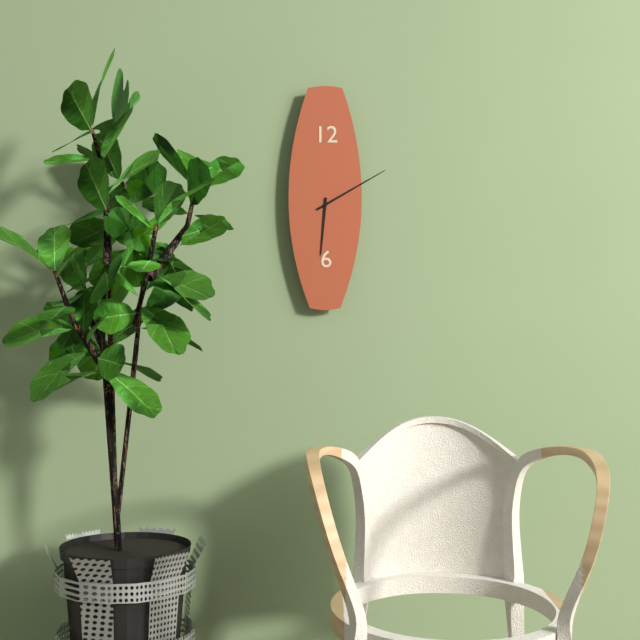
6.10
